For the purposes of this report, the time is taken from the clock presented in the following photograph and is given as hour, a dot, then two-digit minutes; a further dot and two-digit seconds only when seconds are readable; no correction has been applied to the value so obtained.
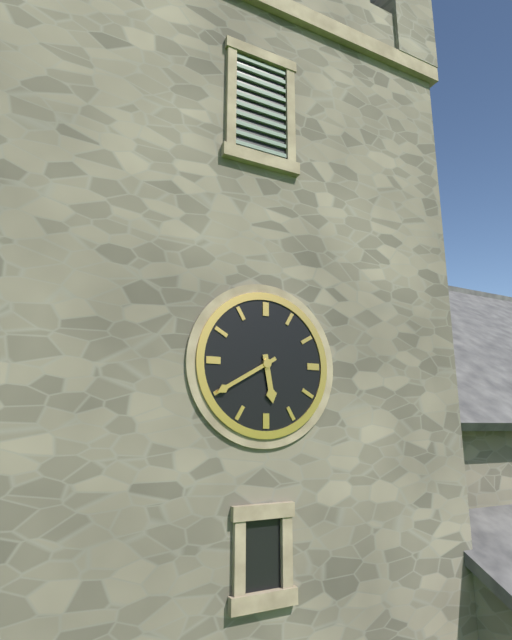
5.40
